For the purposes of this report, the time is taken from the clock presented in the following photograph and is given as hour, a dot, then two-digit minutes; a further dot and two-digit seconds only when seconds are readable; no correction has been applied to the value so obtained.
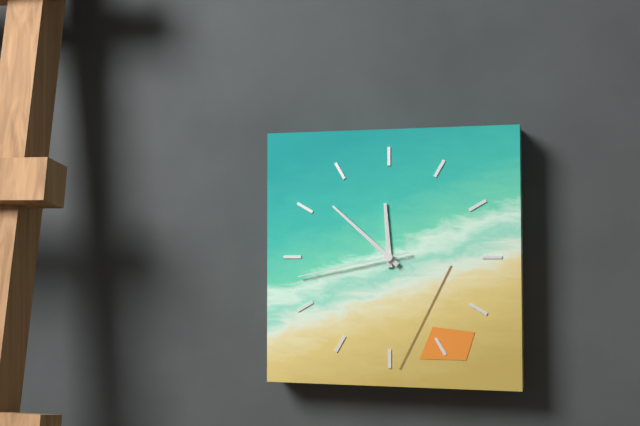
11.52.43
